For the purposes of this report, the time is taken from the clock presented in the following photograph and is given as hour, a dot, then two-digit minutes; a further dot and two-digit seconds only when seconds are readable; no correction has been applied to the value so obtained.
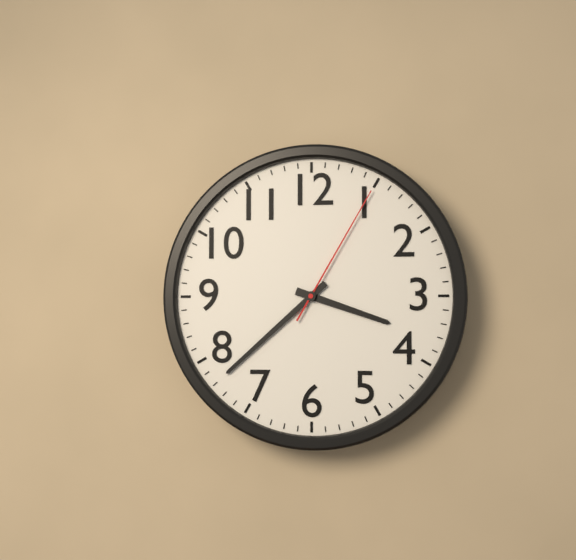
3.38.05
